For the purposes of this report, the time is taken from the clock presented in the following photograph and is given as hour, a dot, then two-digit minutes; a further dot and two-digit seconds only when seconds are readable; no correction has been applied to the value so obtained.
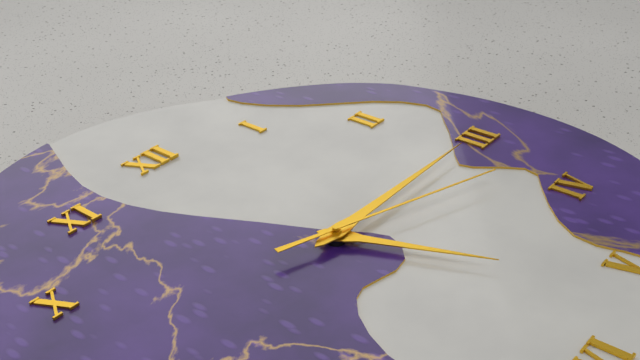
5.15.18
